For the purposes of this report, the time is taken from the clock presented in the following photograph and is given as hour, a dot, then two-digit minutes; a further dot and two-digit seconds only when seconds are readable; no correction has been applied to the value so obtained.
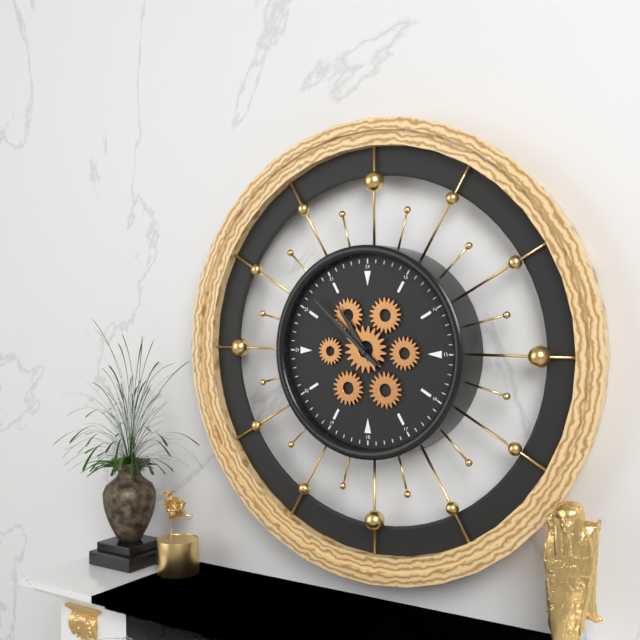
10.52
